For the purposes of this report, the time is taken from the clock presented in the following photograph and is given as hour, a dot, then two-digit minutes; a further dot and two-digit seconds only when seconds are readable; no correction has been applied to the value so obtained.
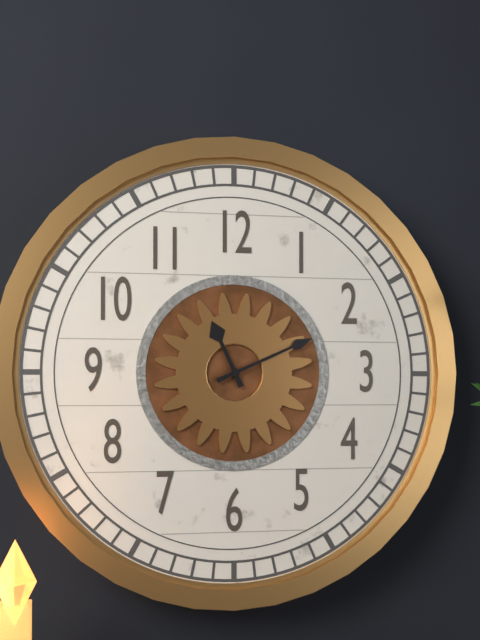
11.11
